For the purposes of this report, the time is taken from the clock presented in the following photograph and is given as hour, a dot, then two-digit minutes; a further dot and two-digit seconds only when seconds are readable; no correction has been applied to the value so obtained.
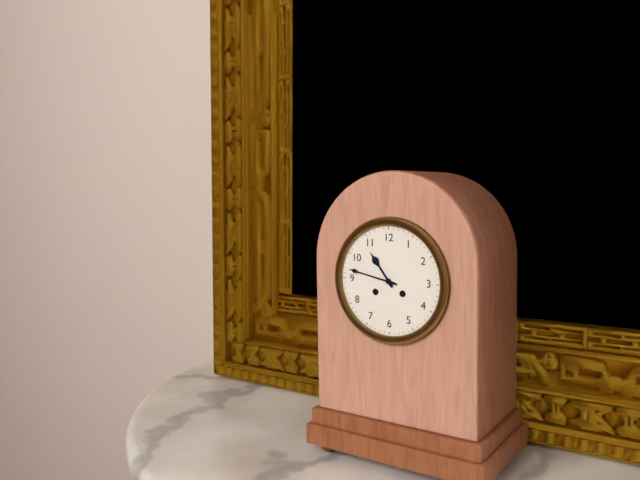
10.47
